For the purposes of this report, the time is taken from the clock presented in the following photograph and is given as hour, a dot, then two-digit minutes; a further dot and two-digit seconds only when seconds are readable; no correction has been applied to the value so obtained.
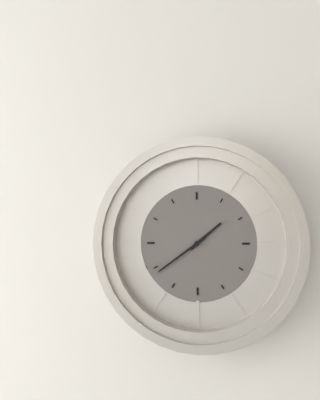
1.39
